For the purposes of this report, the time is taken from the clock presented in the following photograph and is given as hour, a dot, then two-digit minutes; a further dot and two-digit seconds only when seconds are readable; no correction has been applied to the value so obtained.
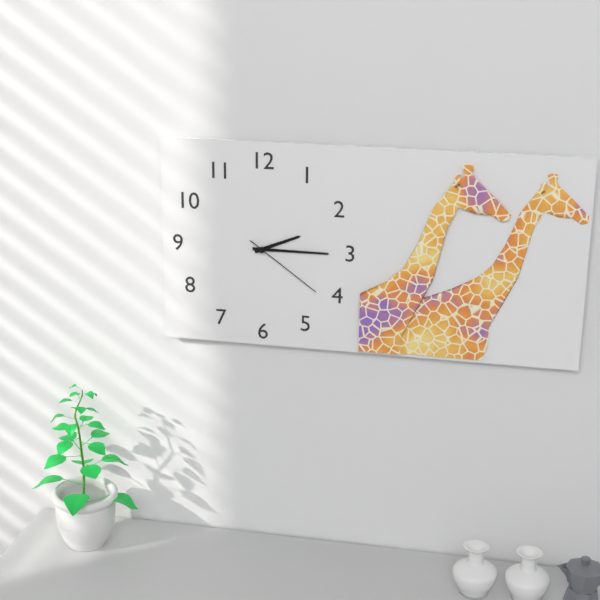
2.15.21
